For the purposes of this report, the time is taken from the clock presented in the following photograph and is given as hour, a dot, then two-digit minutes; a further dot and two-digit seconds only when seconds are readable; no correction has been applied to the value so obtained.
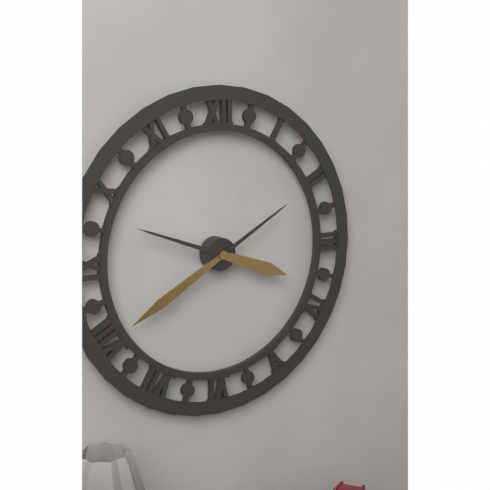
3.40
